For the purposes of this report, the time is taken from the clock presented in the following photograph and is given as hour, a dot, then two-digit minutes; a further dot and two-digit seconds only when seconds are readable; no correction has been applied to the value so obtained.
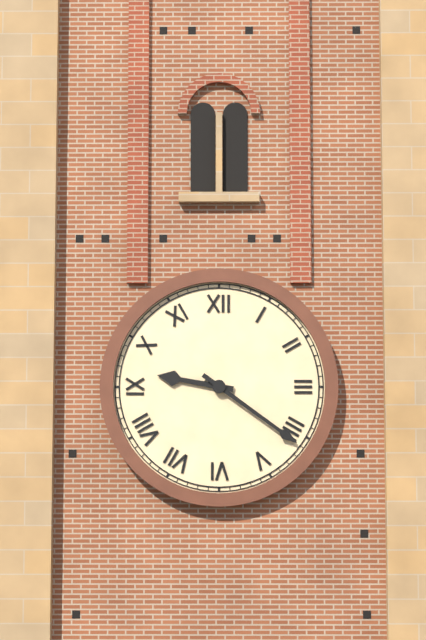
9.21
